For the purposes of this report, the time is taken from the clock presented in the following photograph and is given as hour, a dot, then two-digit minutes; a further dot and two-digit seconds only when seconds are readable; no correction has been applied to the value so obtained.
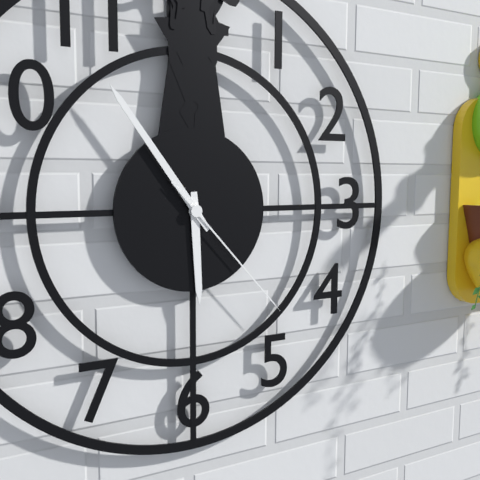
5.54.23
